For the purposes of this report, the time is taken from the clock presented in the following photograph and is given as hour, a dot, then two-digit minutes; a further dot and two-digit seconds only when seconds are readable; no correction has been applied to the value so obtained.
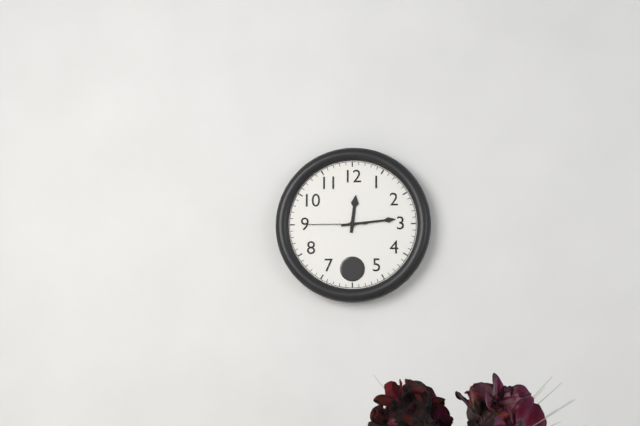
12.14.45
